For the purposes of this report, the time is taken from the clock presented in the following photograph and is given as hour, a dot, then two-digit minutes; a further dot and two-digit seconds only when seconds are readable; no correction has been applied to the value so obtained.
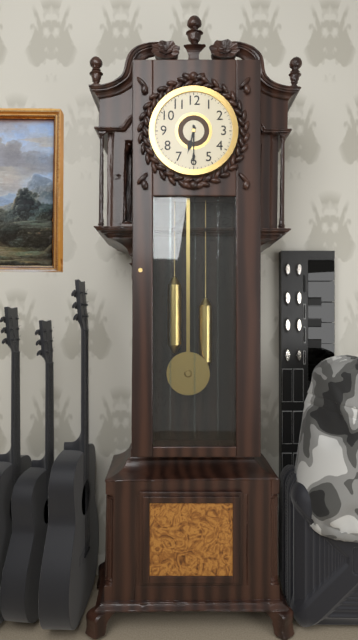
6.30
